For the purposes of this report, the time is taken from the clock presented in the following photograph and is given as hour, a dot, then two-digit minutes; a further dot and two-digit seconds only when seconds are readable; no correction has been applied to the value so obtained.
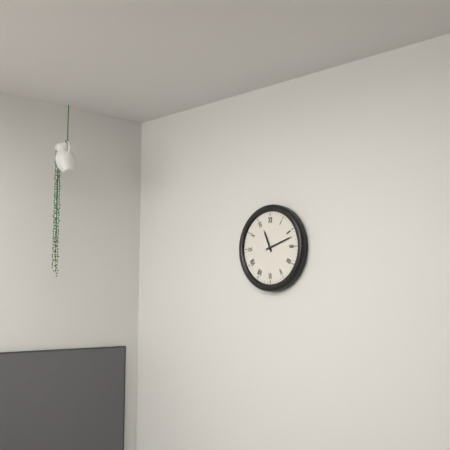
11.12
